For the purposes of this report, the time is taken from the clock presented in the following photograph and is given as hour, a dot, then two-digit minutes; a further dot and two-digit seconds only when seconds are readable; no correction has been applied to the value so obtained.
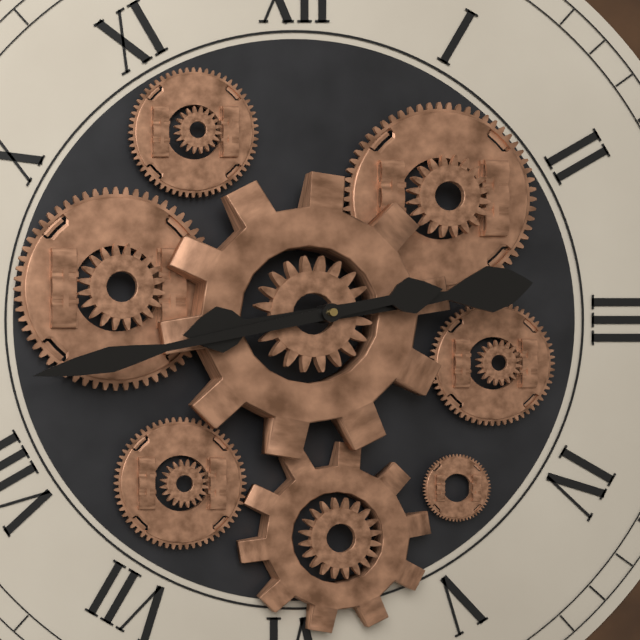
2.43
